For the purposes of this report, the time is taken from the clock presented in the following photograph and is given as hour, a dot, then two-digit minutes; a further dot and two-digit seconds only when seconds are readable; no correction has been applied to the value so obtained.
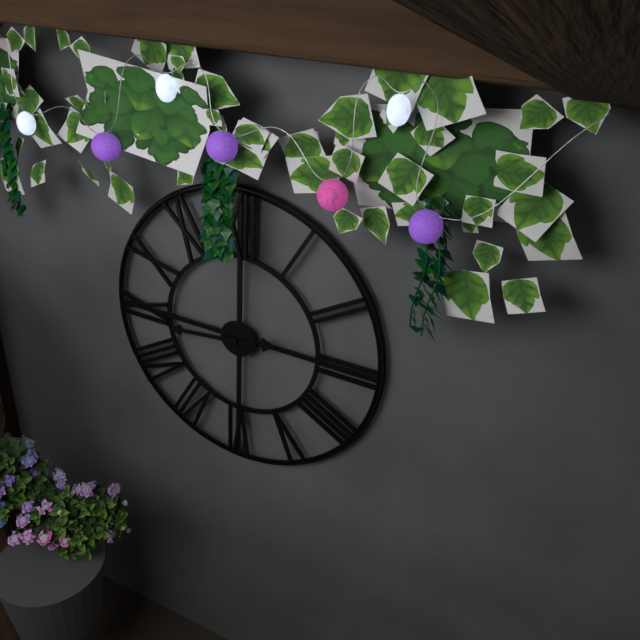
2.44
